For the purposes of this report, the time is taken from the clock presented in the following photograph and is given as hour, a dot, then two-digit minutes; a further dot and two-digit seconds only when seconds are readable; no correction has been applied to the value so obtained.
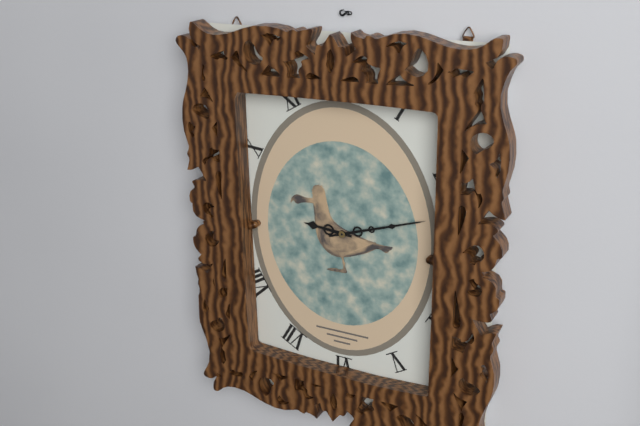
9.12
